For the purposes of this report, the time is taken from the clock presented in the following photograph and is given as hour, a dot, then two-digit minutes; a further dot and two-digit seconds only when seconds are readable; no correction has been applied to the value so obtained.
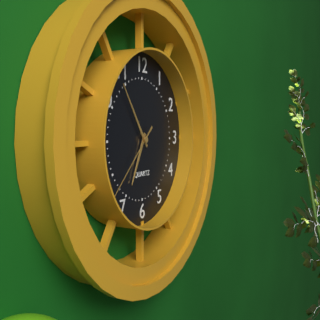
6.54.38
